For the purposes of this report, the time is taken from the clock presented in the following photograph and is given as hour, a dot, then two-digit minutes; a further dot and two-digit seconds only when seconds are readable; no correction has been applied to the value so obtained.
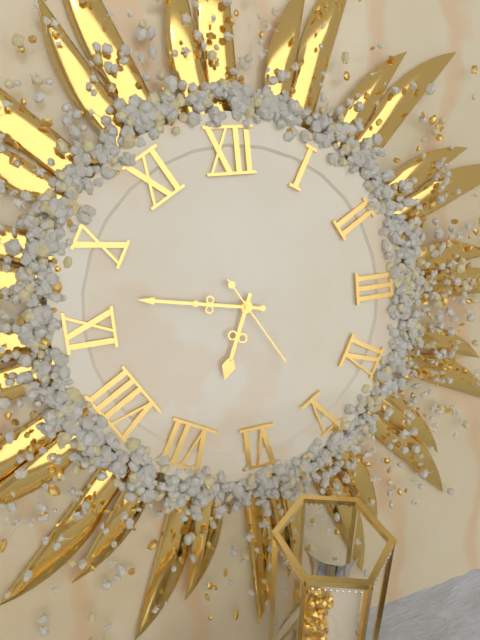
6.47.25
